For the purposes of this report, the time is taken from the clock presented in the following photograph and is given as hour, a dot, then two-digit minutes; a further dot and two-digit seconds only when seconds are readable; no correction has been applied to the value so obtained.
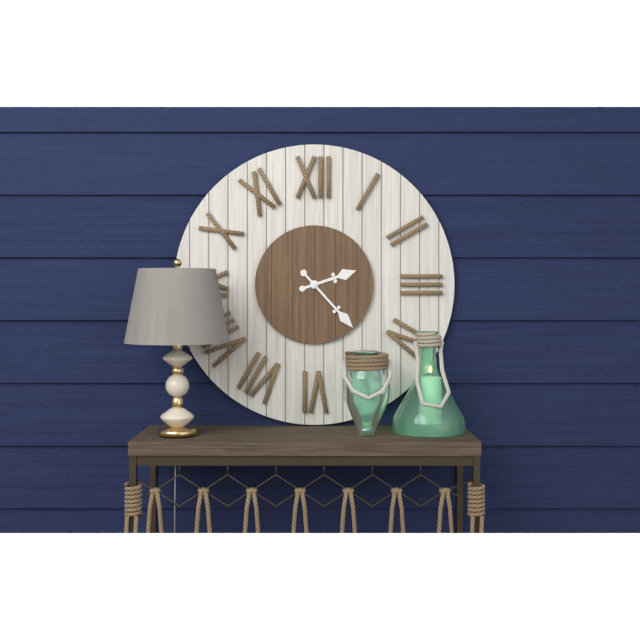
2.23
